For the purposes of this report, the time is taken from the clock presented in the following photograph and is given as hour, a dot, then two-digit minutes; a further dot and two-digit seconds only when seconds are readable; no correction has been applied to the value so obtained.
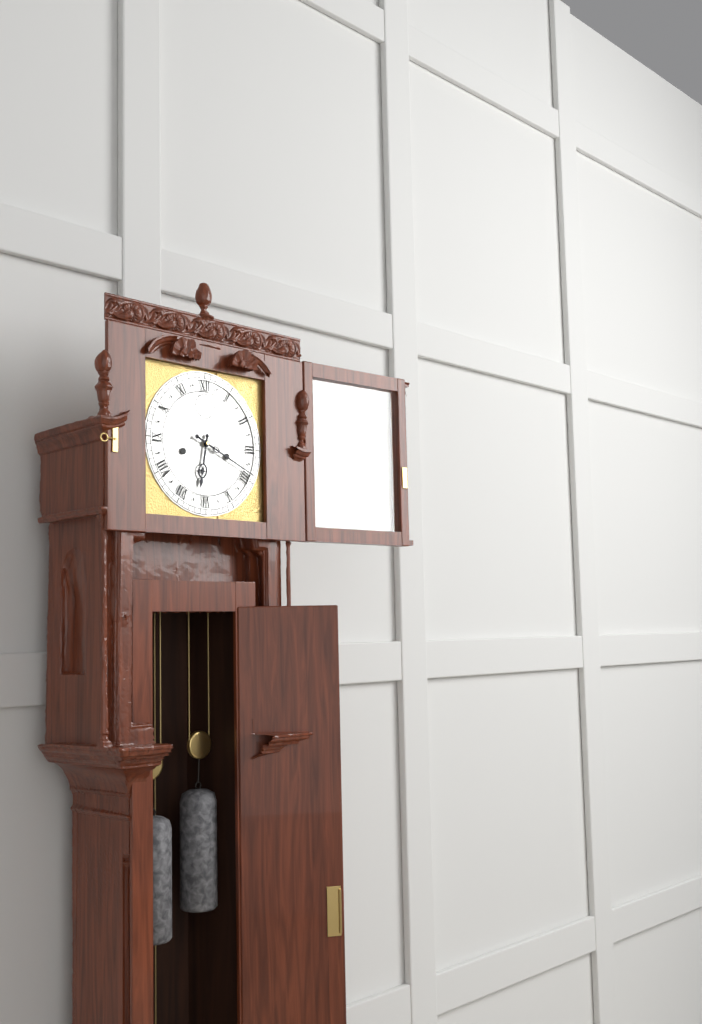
6.19
